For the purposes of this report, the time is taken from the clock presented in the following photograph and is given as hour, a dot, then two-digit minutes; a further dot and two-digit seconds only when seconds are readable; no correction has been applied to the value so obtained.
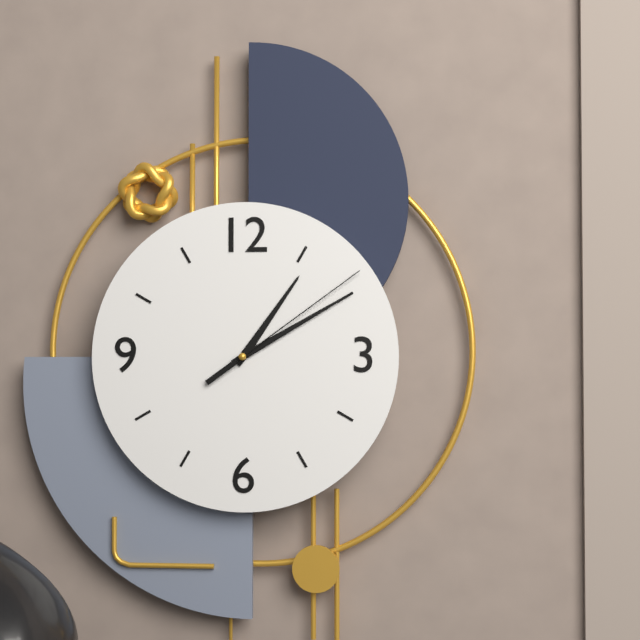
1.10.09
